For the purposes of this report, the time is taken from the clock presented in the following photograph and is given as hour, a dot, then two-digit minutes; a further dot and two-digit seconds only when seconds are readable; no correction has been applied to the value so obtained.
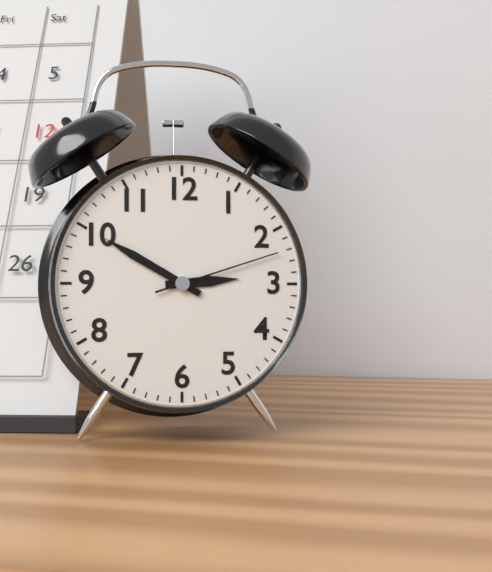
2.50.12
